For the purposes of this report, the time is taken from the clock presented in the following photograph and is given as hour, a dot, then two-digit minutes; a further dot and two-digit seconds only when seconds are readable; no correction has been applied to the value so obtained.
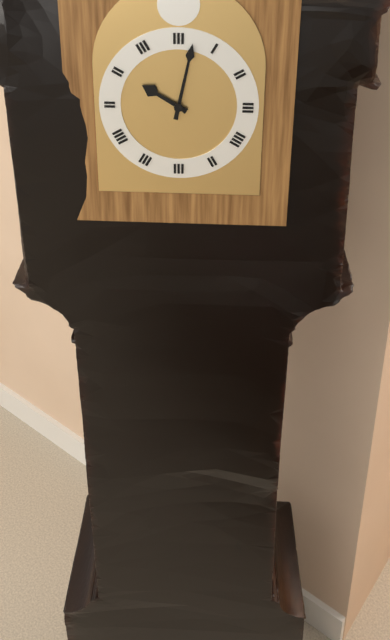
10.02
